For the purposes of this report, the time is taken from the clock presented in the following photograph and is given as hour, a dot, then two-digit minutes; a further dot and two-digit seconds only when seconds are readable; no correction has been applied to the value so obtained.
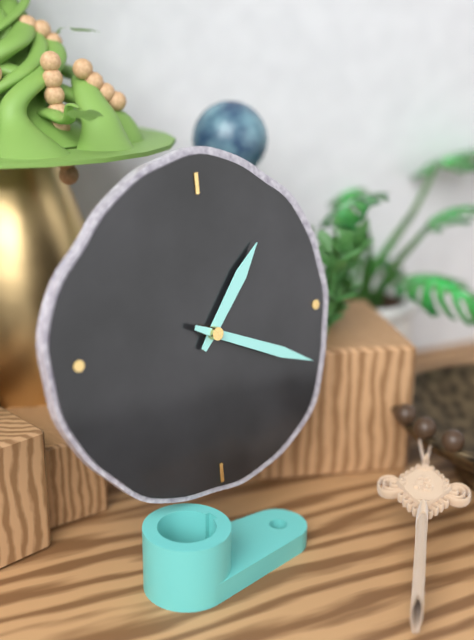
1.19
